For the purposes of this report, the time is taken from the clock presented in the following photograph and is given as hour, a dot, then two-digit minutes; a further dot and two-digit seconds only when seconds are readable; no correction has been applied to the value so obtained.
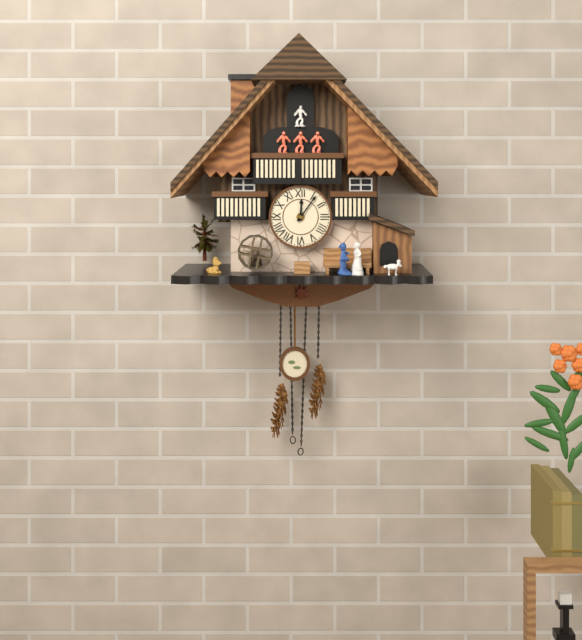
12.06
